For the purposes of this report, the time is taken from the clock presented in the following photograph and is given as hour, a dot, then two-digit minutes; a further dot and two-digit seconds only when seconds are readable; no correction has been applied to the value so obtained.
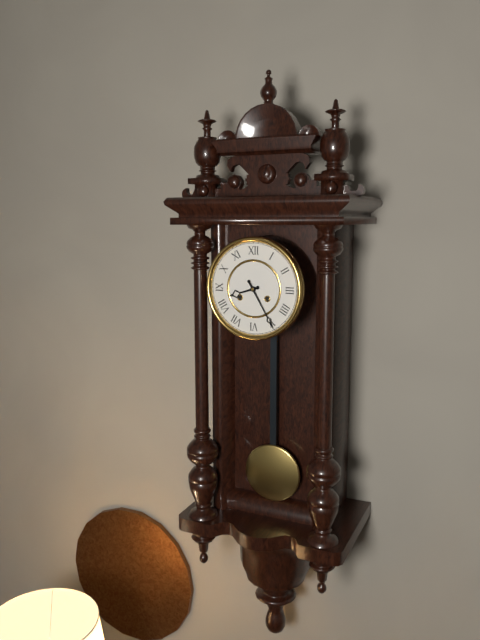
8.25
